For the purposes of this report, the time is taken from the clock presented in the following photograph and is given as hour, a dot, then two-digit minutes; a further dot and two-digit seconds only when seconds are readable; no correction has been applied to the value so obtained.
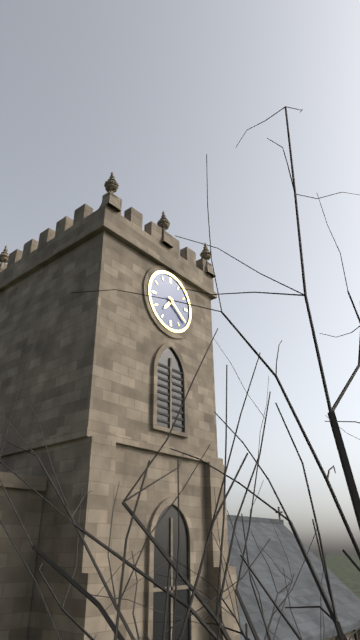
7.21
